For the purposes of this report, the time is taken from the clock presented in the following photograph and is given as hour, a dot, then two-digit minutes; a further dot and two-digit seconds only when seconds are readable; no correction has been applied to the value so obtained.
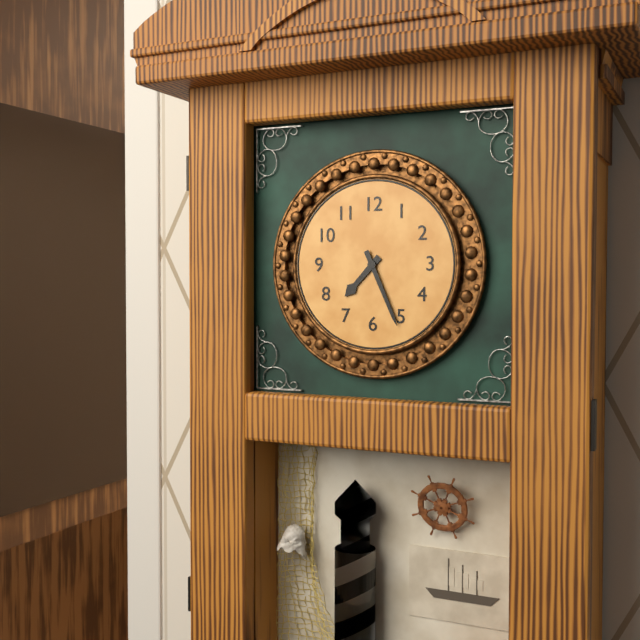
7.26
